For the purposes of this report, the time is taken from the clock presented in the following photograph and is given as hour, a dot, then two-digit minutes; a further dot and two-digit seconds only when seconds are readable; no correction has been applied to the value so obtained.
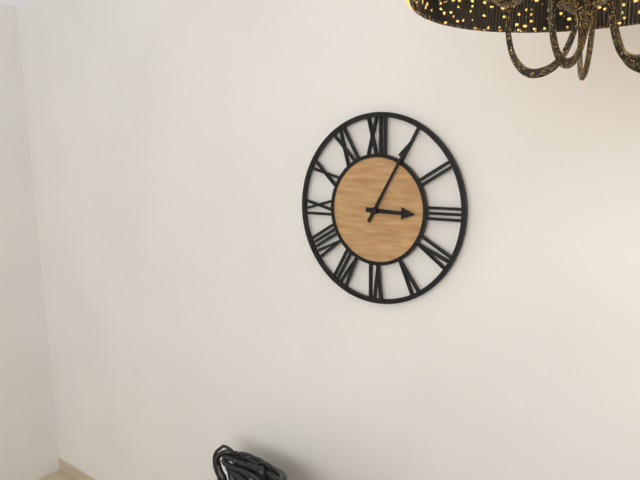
3.05
